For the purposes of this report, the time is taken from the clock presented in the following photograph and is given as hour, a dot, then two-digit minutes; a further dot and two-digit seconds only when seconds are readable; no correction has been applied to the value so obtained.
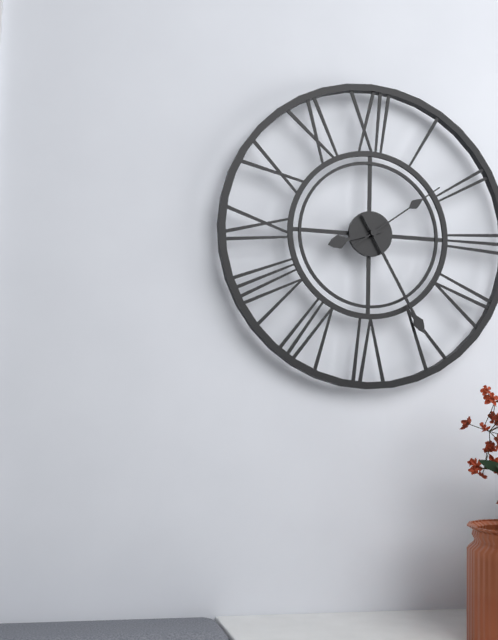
8.25.09
